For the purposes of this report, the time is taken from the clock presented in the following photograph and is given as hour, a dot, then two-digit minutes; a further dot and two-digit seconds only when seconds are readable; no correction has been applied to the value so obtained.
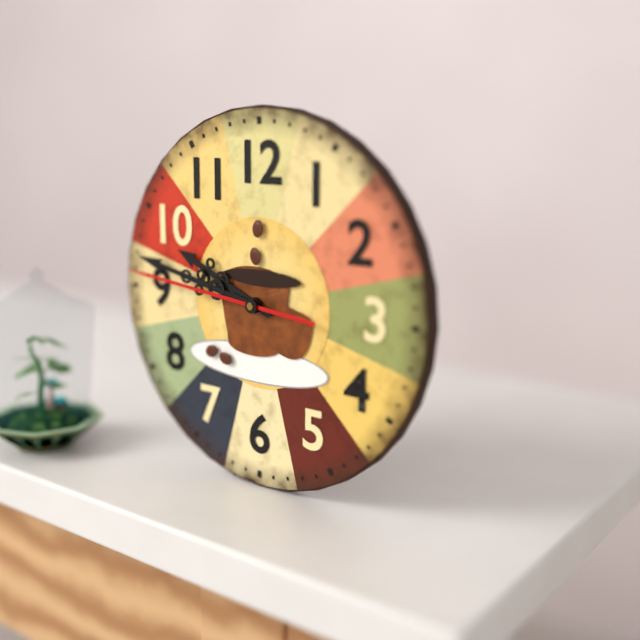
9.47.46
